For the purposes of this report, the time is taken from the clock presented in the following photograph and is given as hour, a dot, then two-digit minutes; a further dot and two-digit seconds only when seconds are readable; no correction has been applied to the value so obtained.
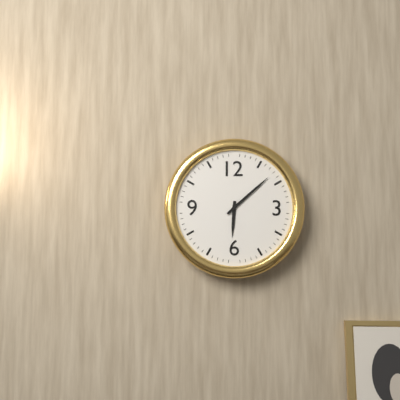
6.08
